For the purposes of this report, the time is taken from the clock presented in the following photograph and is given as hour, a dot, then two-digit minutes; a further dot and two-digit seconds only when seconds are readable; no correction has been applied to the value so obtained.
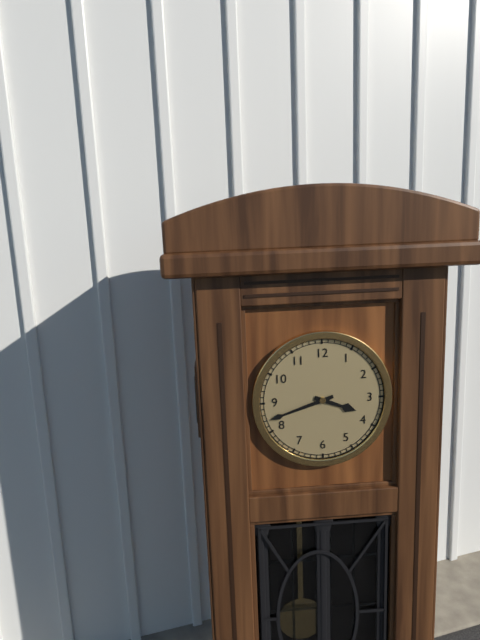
3.42
